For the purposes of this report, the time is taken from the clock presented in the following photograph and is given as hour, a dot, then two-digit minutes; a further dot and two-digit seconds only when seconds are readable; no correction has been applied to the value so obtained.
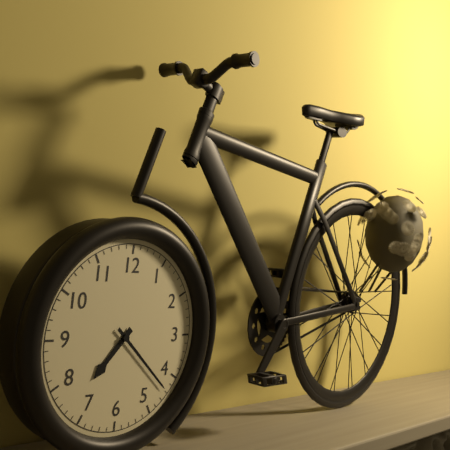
7.22
